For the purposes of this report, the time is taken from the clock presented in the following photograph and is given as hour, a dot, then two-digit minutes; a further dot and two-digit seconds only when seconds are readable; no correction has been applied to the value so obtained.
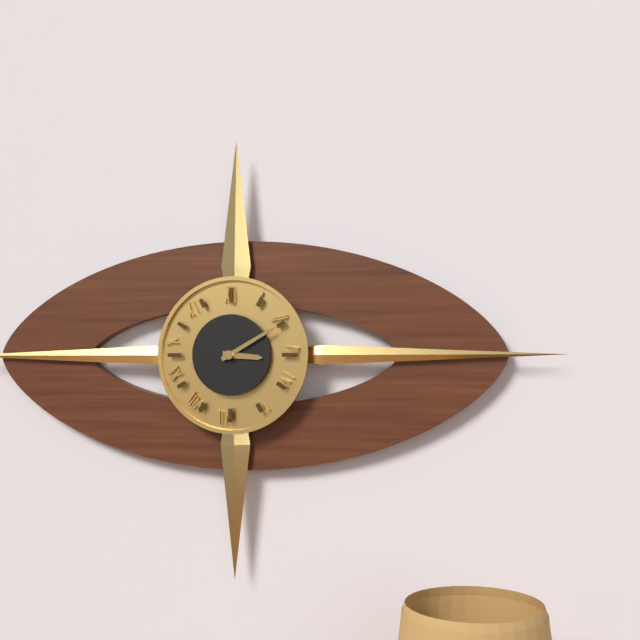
3.10
